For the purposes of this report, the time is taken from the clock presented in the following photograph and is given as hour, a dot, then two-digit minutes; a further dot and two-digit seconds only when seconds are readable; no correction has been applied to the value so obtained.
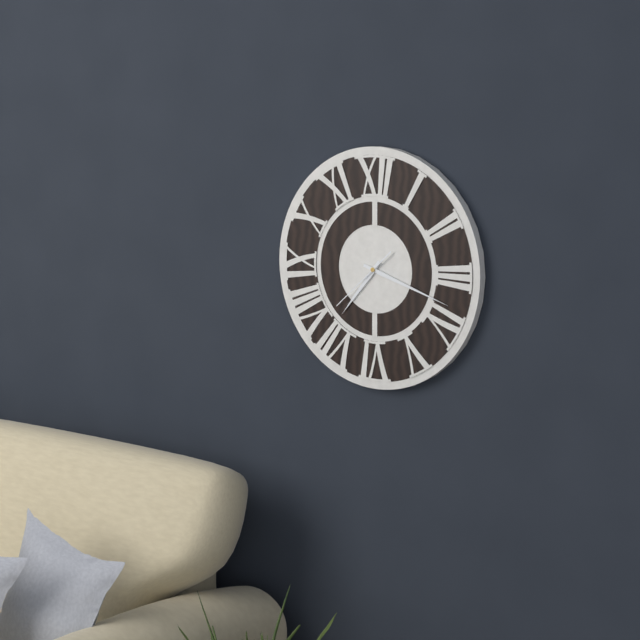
7.18.38
